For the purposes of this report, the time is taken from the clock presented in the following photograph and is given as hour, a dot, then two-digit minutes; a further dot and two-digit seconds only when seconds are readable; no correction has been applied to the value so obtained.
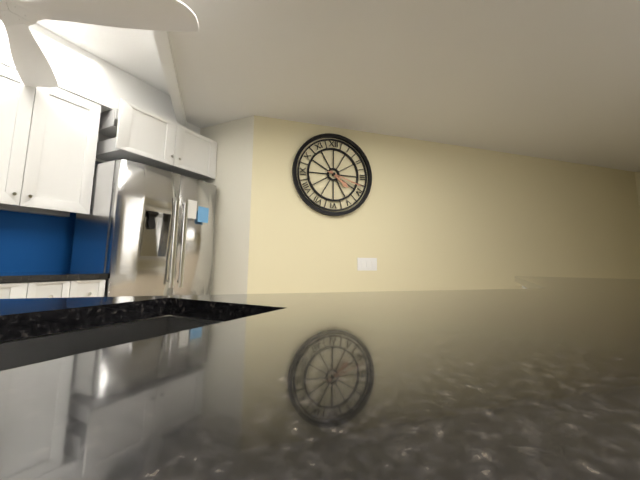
4.18
